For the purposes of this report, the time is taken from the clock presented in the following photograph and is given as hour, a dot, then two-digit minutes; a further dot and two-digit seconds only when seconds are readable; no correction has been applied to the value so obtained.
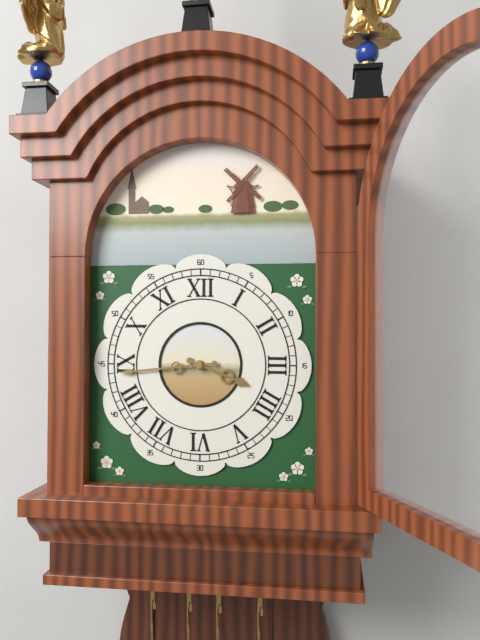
3.44
